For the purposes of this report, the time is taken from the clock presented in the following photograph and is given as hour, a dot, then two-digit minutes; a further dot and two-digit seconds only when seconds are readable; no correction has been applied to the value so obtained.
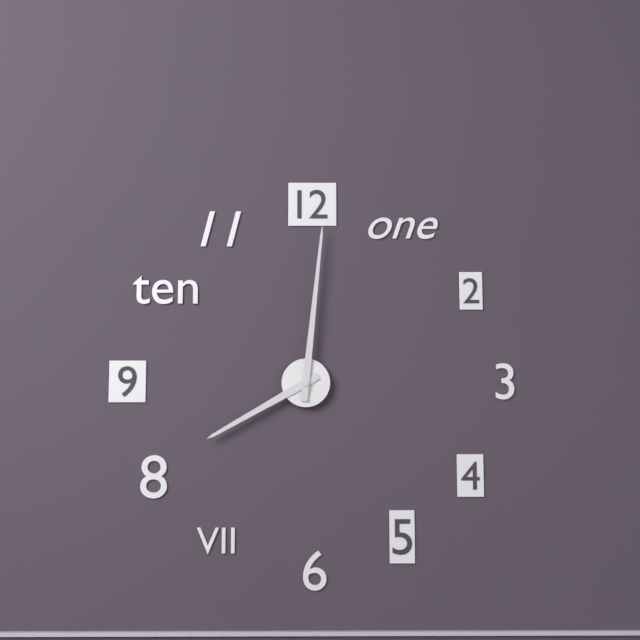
8.01
